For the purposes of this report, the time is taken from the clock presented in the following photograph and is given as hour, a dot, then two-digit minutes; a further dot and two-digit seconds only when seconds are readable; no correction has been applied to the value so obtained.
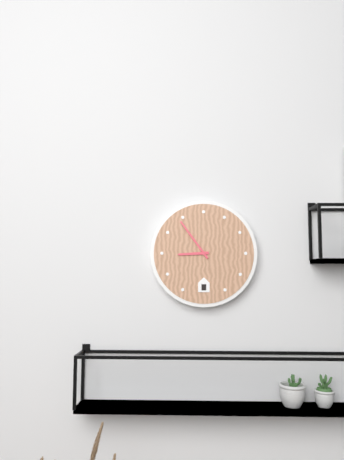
8.54
